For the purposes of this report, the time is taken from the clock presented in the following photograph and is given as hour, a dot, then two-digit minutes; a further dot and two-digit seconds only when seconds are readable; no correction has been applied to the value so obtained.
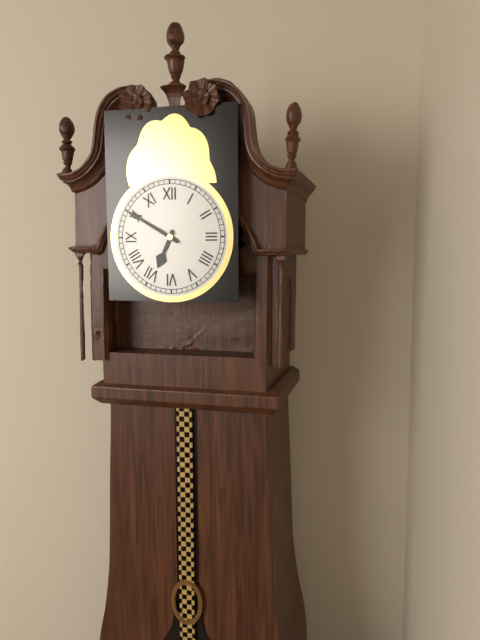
6.50
